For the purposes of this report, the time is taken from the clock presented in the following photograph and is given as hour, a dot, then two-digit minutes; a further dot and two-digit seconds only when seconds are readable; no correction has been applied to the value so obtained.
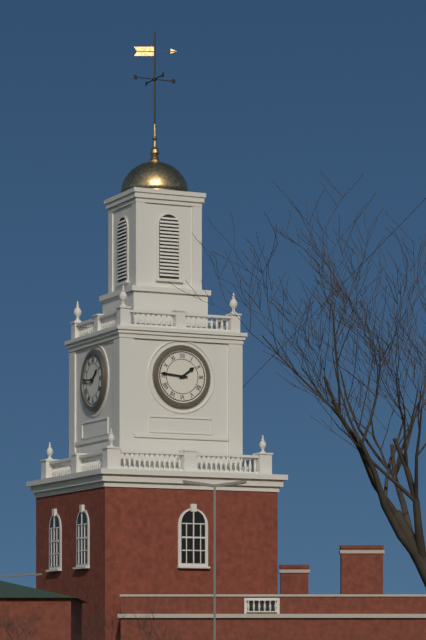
1.46
